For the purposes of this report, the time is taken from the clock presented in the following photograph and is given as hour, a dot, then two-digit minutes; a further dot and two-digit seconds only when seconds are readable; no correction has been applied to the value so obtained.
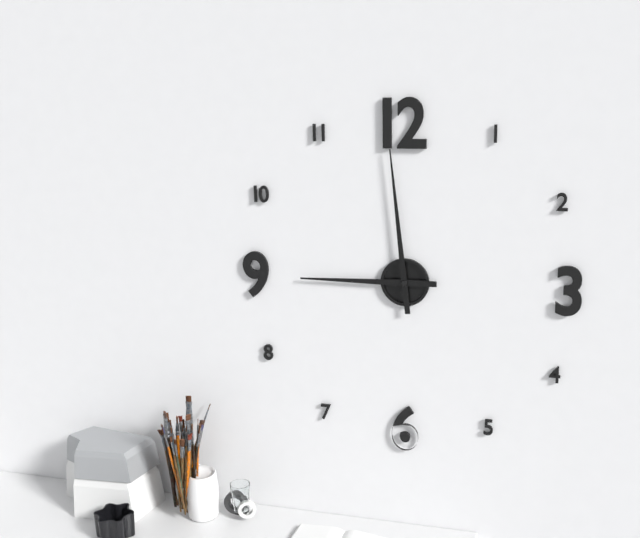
8.59
